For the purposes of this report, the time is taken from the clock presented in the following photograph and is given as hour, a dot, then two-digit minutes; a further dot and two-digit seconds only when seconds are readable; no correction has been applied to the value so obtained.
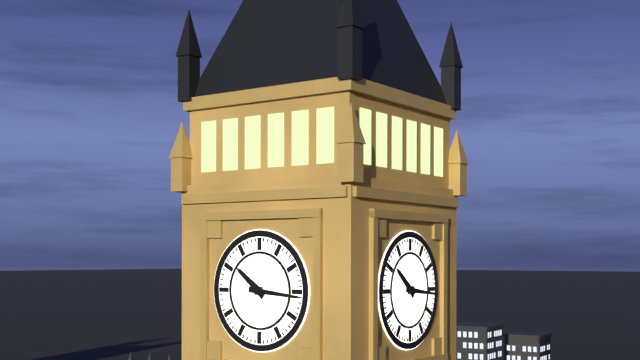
10.16
